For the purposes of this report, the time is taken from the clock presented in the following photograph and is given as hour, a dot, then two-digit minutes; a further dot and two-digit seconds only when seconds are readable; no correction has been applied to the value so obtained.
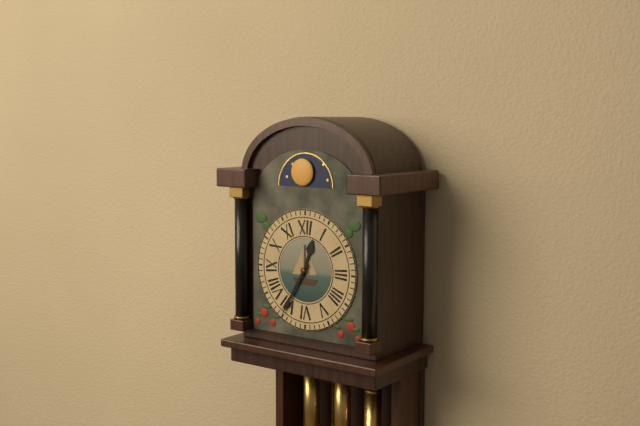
12.35
